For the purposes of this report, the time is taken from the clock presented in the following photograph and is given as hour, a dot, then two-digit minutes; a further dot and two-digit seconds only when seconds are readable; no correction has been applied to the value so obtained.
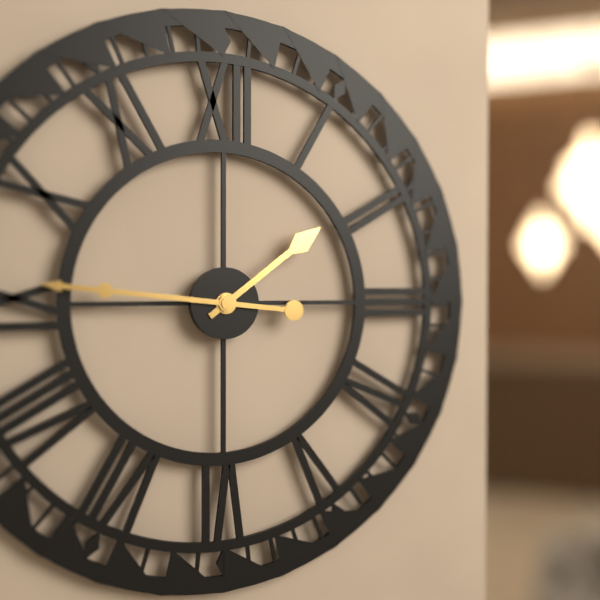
1.46
